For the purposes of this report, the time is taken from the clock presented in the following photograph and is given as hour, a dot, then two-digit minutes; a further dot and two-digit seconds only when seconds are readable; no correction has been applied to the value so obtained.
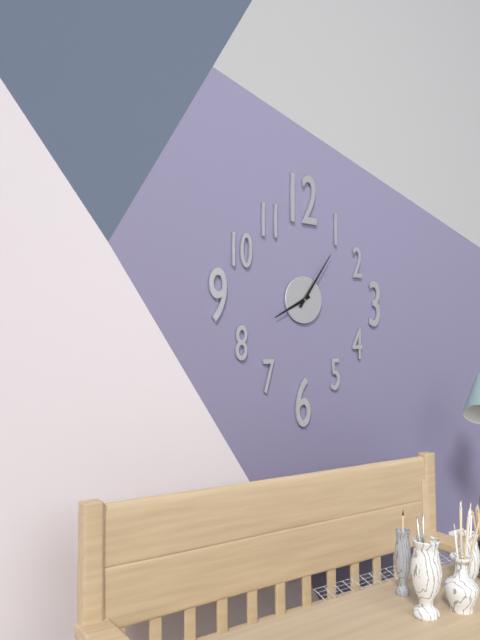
8.06
